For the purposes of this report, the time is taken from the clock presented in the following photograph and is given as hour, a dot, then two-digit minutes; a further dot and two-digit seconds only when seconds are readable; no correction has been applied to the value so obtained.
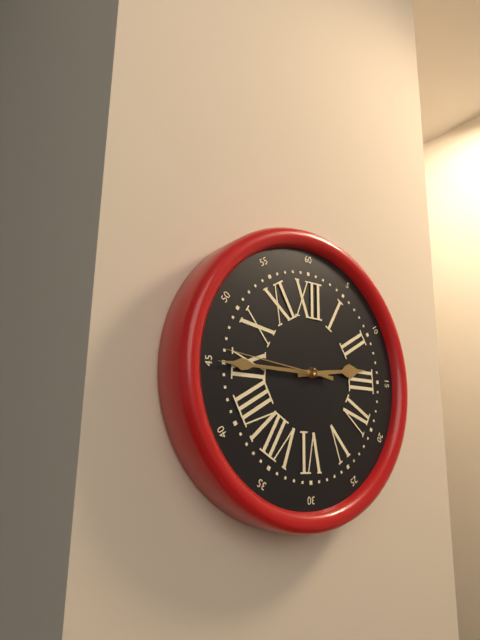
2.45.46
